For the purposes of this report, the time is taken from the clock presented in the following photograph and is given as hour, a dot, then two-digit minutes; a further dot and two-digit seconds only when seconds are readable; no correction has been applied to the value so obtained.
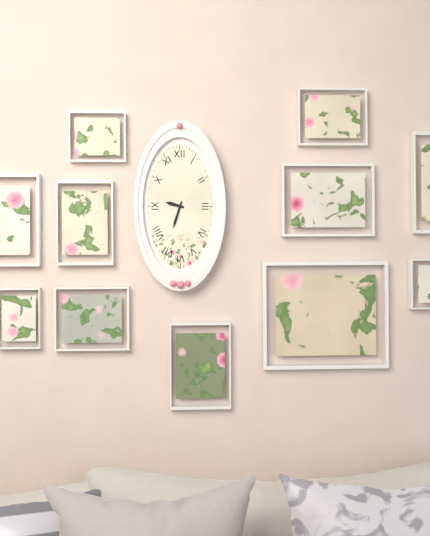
9.33
